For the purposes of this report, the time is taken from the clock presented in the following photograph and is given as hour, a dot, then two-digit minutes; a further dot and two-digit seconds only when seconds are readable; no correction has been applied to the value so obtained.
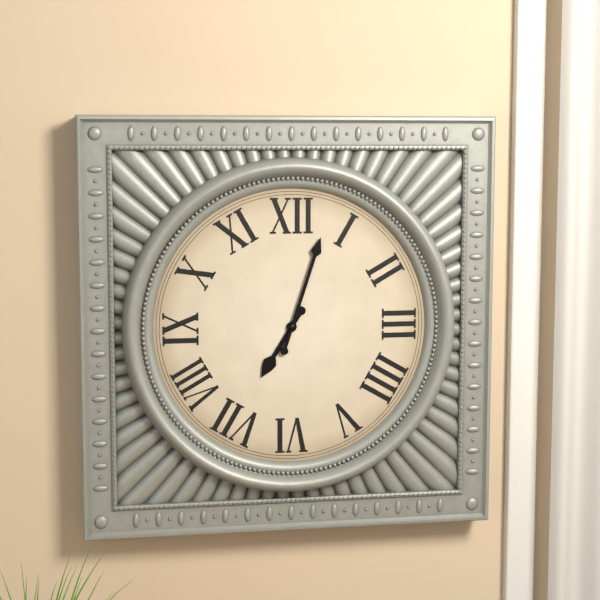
7.03
